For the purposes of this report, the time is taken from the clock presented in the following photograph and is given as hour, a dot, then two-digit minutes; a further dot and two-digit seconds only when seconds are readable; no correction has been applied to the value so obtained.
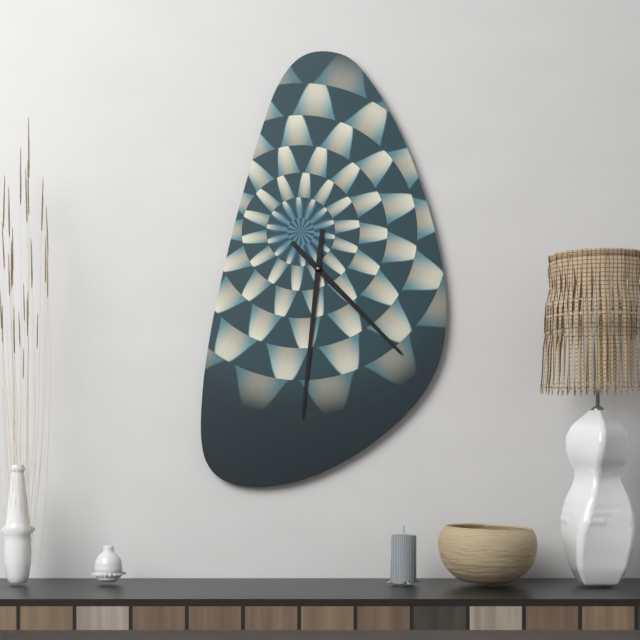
4.31
